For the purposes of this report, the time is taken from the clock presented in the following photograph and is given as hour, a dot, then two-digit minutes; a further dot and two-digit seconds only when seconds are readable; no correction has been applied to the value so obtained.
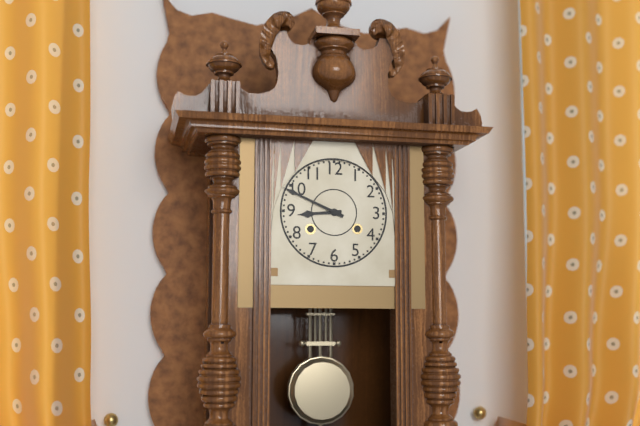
8.49
